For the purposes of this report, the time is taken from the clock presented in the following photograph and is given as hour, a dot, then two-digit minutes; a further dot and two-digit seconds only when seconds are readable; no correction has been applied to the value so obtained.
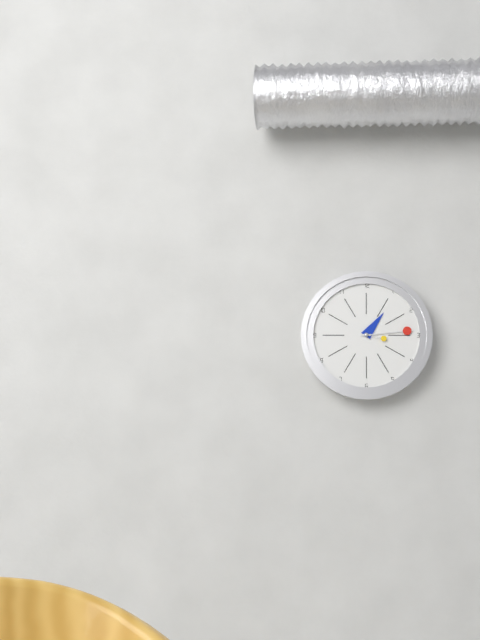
1.14
